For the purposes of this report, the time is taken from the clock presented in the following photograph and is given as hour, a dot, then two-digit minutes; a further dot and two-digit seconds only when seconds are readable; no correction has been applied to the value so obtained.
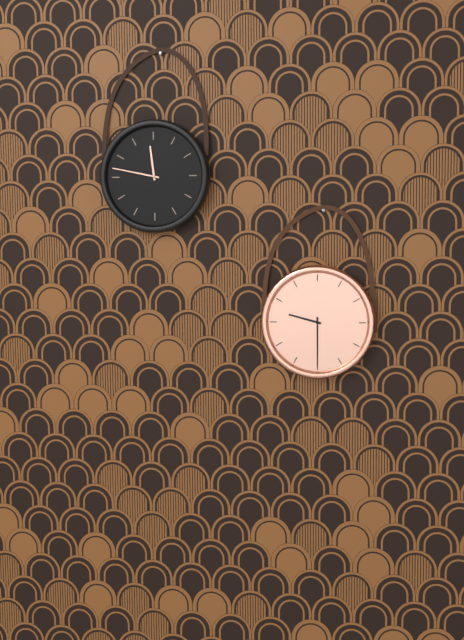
9.30
